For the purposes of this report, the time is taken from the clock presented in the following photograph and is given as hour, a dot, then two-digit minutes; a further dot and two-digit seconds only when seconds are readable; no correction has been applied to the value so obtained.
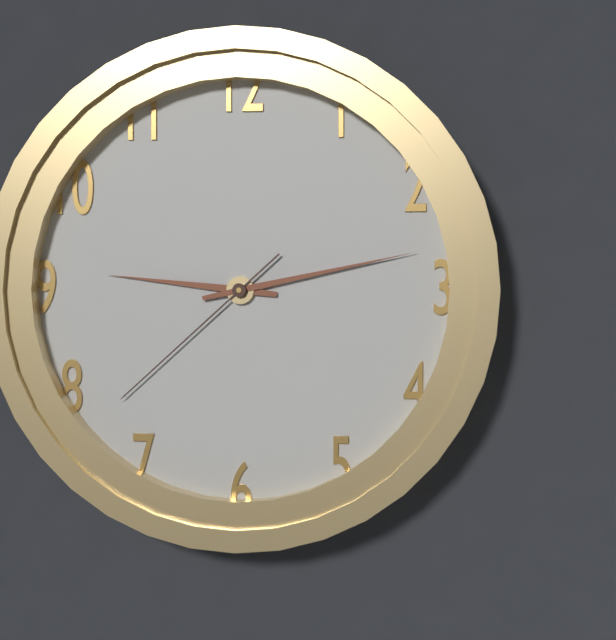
9.13.38
